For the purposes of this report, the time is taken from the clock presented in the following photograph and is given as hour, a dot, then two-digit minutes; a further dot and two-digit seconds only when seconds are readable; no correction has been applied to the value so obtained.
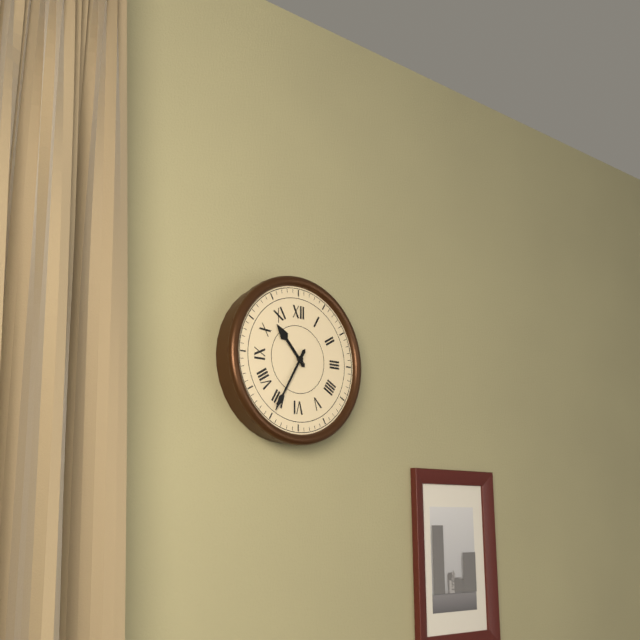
10.35
